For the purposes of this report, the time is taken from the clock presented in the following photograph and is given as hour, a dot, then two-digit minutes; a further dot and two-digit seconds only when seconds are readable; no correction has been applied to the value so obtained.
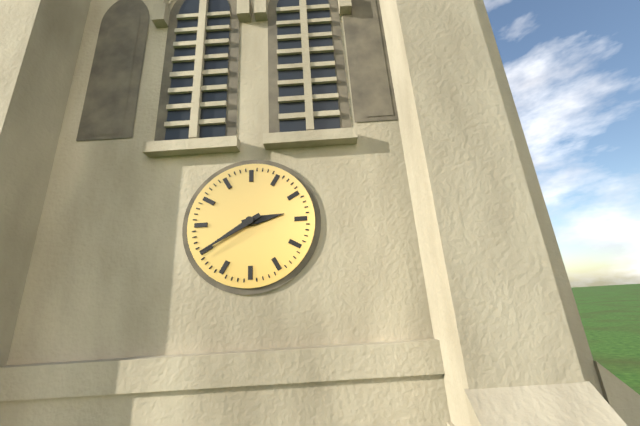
2.40
